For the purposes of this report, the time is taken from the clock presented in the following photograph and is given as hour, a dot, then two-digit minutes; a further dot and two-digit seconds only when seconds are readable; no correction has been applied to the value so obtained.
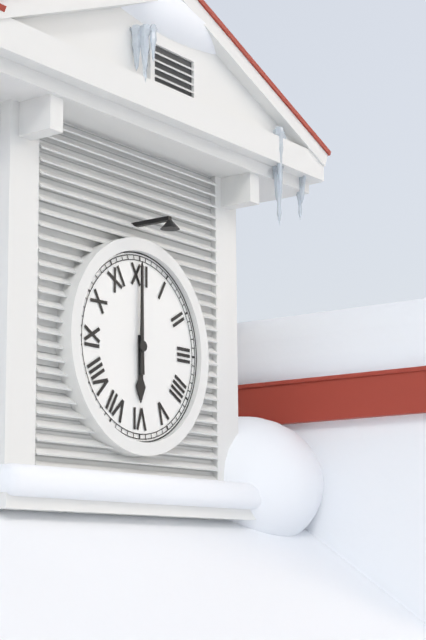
6.00
